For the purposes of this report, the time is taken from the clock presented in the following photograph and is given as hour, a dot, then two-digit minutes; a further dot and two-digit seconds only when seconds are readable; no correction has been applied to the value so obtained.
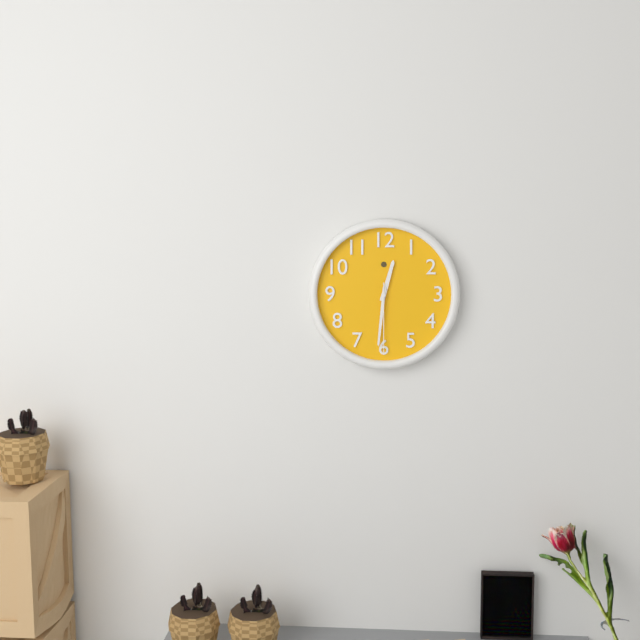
12.31.30
